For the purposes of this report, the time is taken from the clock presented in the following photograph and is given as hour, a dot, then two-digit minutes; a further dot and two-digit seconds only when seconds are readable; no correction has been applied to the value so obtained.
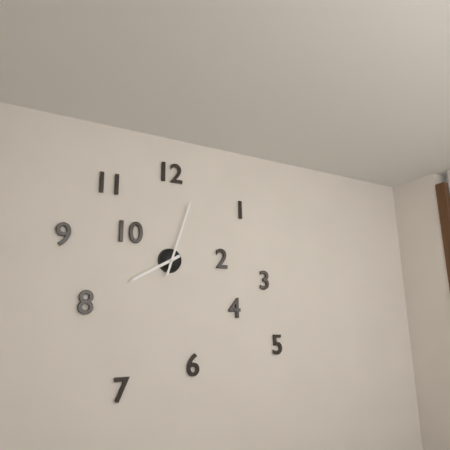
8.03
